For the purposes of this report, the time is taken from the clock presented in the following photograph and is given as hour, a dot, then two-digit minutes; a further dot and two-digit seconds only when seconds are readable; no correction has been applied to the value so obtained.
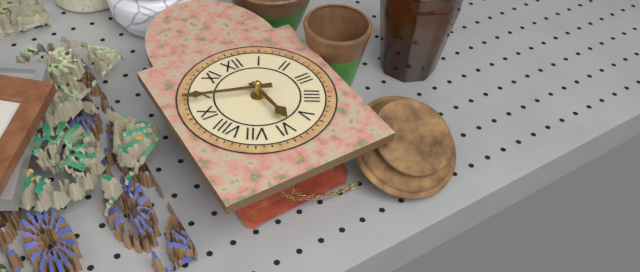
5.48
